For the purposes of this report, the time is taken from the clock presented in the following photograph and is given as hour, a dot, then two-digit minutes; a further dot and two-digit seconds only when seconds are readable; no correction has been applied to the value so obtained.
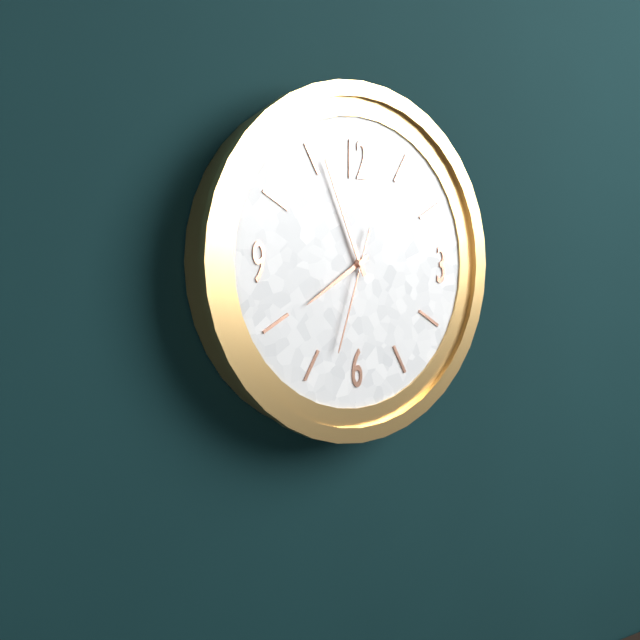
7.56.33
